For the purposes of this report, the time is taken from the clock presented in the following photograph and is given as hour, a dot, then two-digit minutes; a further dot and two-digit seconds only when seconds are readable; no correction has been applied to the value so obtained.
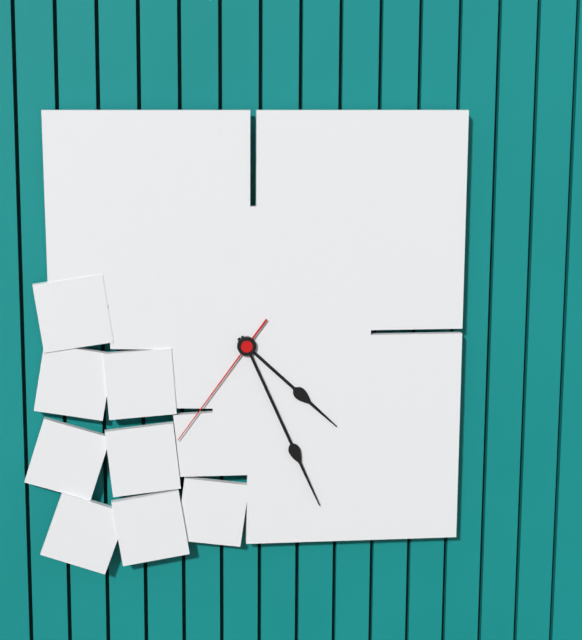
4.26.36
